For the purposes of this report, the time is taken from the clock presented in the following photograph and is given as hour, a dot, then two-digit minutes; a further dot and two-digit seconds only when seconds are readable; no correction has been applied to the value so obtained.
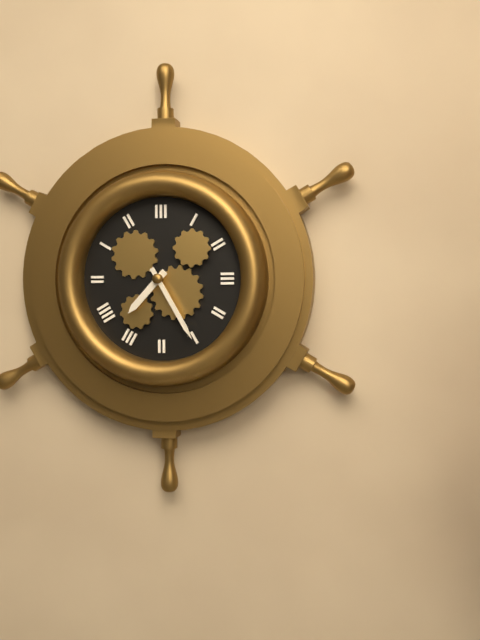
7.25
